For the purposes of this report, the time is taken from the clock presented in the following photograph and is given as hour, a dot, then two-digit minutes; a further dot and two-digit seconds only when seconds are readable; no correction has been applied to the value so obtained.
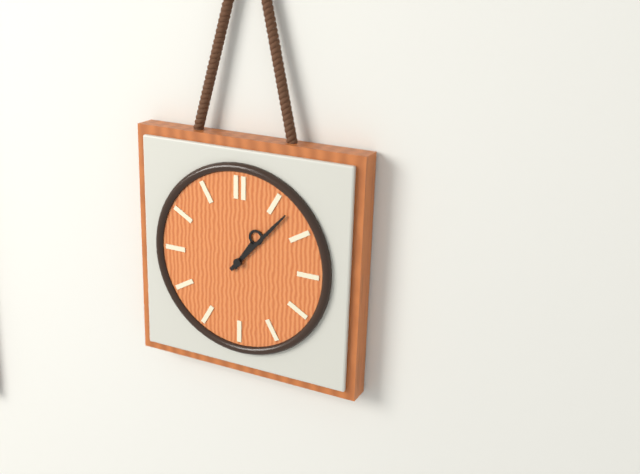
1.07
